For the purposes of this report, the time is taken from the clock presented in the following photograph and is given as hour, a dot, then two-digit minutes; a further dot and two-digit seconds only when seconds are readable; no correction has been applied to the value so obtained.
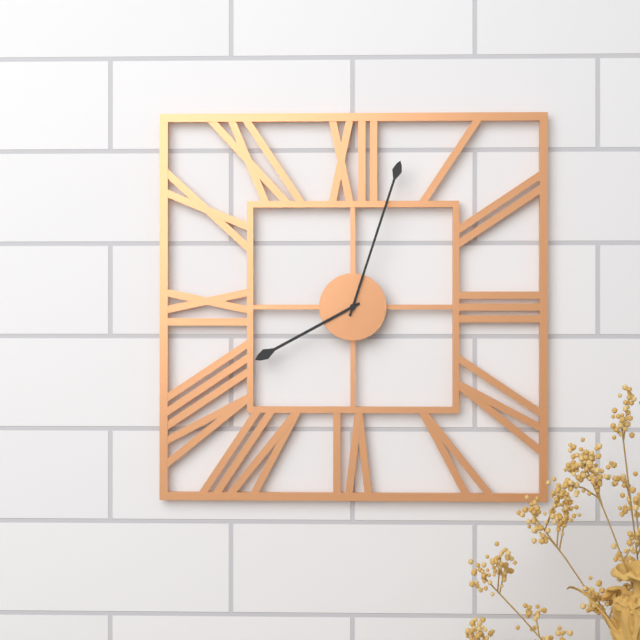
8.03
